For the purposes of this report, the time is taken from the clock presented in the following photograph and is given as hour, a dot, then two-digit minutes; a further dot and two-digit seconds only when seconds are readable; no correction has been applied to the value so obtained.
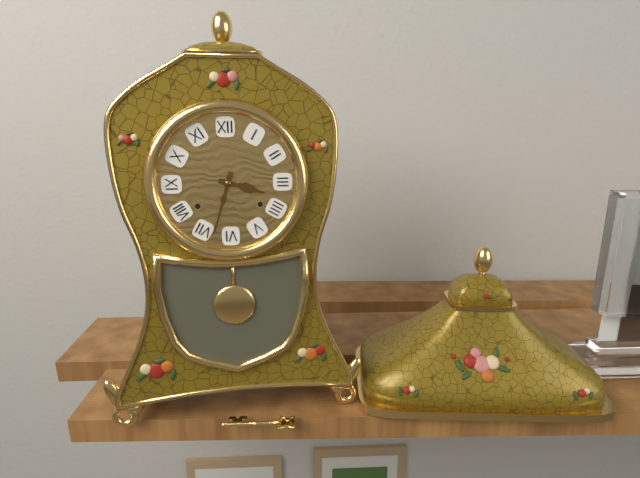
3.33
